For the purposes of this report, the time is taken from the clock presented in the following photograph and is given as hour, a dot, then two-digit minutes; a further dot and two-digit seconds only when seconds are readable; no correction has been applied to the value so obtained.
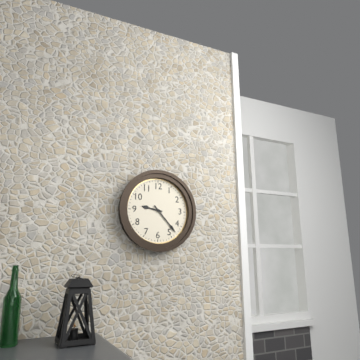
9.23
